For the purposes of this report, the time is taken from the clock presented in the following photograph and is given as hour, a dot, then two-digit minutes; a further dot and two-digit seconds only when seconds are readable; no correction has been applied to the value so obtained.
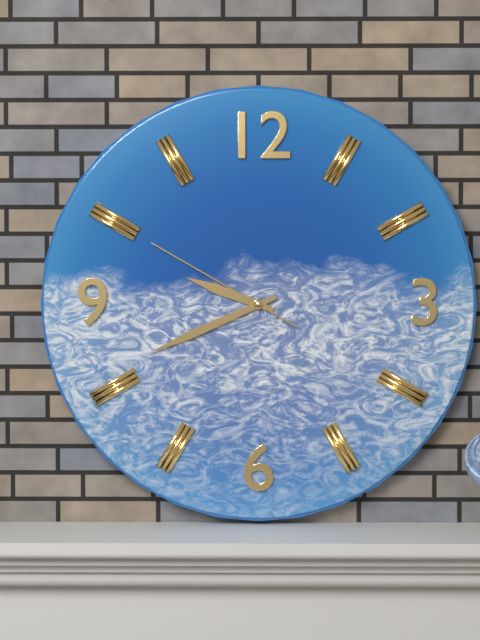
9.41.50
